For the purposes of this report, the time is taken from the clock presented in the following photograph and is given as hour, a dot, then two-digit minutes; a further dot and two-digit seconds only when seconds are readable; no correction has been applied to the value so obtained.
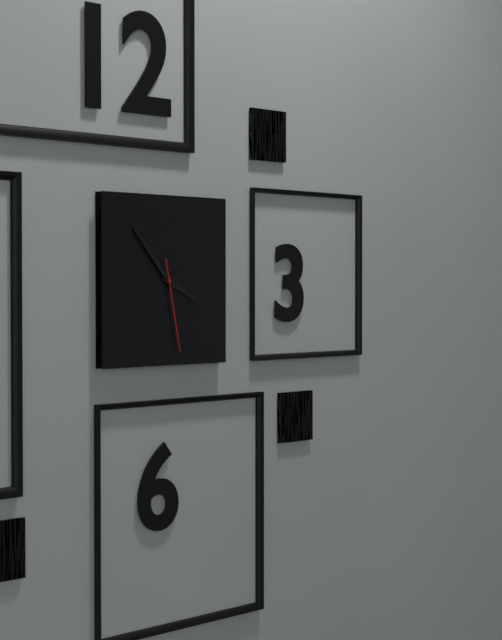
3.53.28
